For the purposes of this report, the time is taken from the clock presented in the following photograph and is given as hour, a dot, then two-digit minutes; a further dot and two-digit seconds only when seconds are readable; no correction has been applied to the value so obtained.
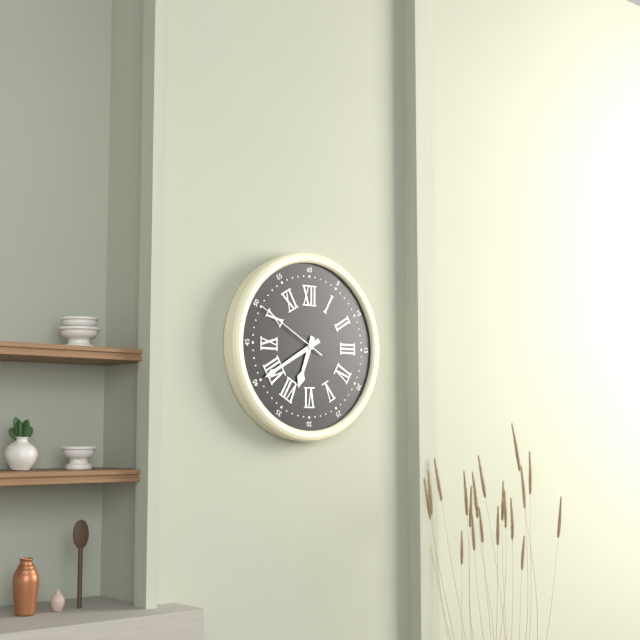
6.40.50
